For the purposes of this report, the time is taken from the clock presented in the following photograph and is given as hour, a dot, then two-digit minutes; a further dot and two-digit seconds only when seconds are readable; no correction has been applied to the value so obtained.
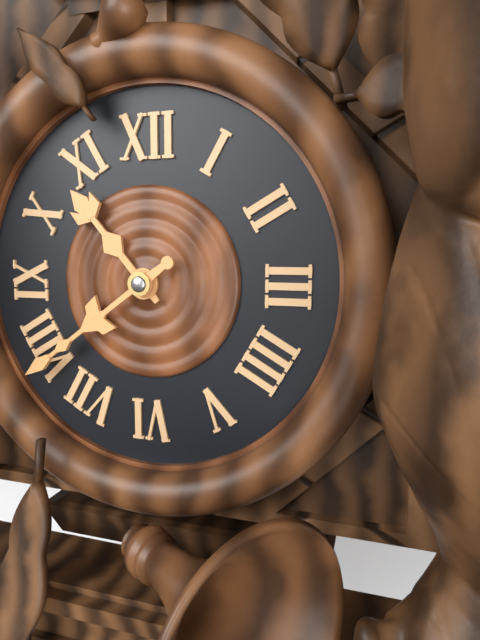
10.39
